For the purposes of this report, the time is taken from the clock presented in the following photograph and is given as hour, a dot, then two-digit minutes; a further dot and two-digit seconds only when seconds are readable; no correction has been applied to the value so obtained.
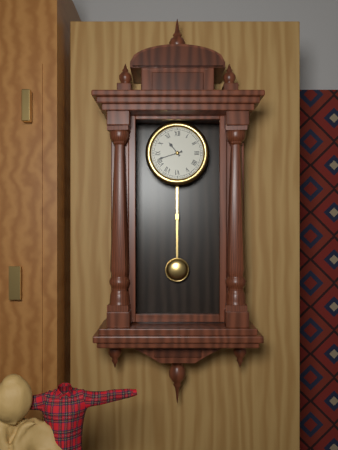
10.42
